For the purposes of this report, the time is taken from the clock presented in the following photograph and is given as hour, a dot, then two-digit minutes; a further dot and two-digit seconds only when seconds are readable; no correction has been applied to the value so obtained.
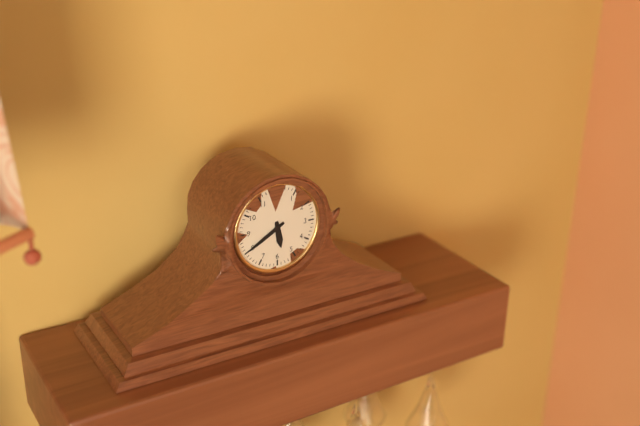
5.40
